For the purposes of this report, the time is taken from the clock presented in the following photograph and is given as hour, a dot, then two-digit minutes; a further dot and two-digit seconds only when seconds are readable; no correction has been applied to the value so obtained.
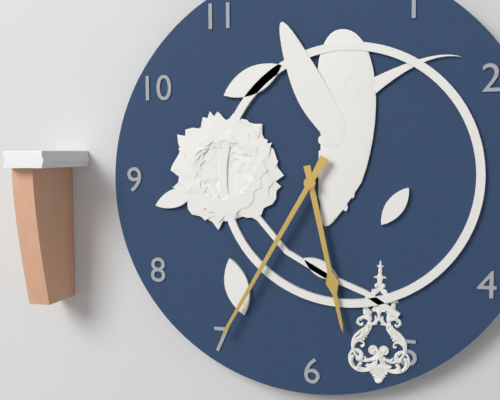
5.35
